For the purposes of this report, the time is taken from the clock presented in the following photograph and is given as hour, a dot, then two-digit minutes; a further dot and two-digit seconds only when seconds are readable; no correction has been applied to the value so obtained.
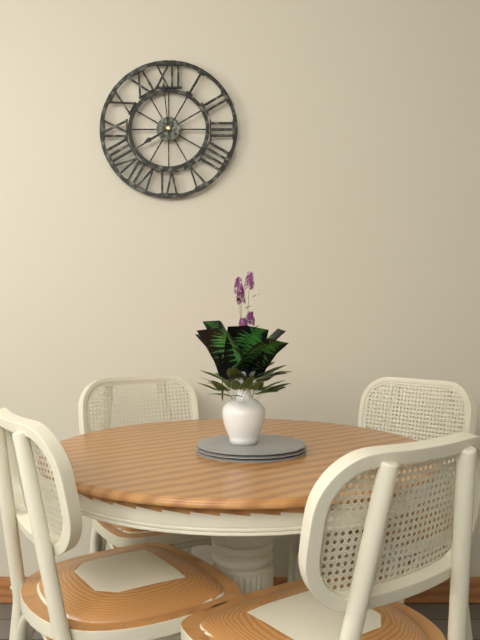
7.59
